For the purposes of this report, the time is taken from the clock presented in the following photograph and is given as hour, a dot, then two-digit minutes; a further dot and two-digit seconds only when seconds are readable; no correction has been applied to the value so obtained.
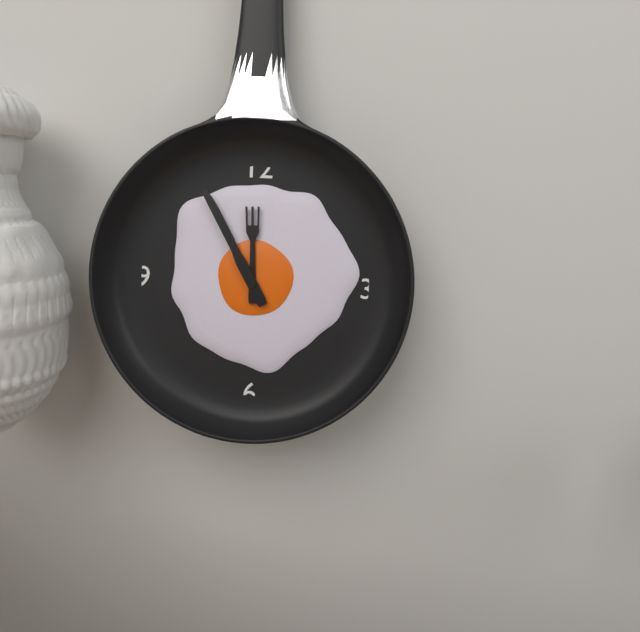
11.55
